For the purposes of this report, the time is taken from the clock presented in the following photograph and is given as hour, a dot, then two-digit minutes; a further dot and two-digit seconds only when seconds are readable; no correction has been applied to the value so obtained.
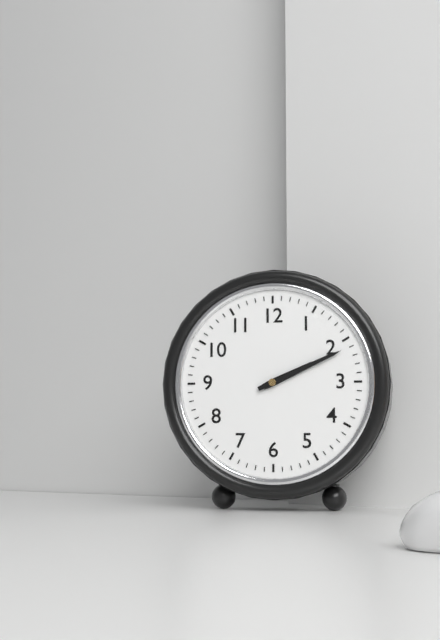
2.11
